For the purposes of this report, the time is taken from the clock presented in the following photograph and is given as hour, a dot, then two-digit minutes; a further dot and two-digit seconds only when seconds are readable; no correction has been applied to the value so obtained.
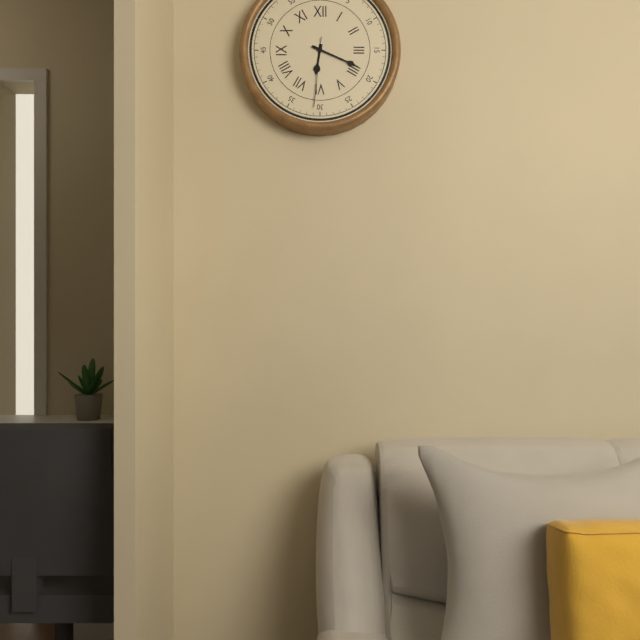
6.19.31
